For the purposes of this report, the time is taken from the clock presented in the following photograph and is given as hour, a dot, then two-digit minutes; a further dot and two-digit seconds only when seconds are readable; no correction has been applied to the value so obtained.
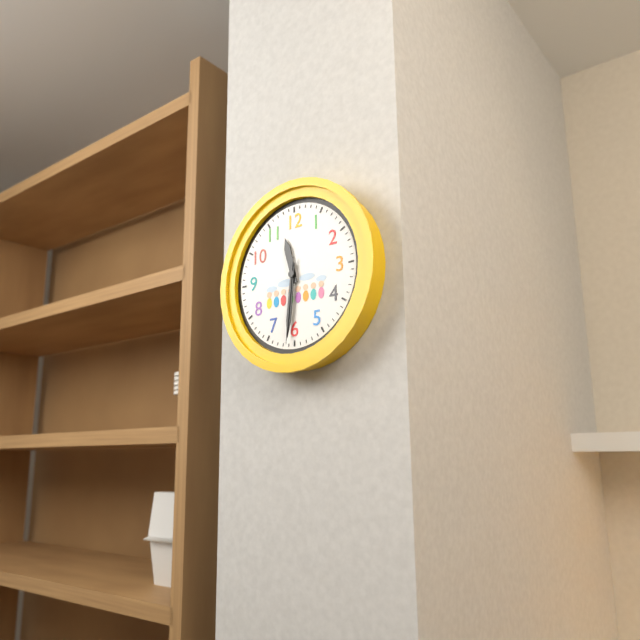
11.31.31
